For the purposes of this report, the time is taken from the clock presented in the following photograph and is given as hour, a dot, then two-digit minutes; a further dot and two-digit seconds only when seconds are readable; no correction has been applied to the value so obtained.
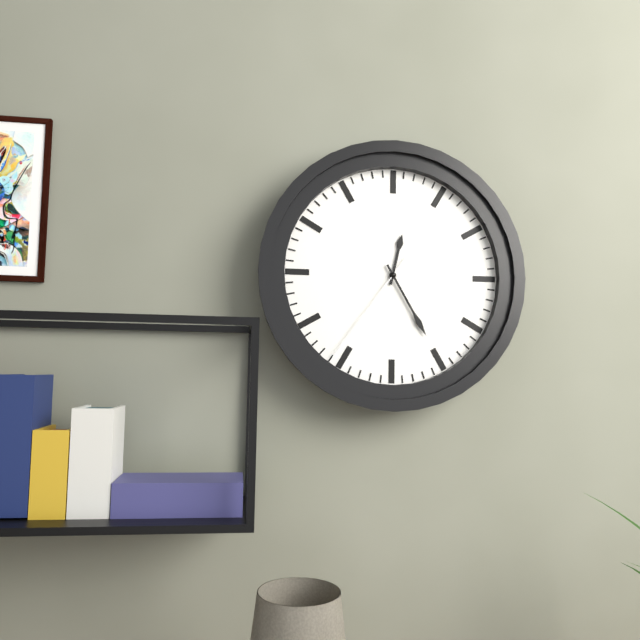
12.25.36
